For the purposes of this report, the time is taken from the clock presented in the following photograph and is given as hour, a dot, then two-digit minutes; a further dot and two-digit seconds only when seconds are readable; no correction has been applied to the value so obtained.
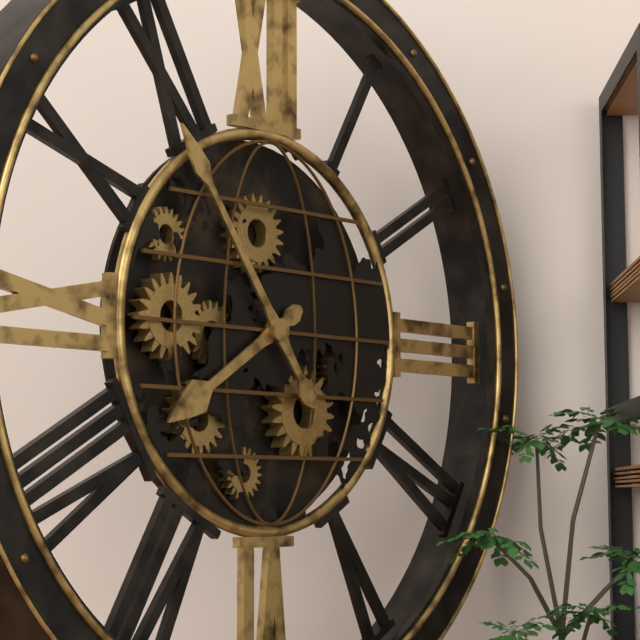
7.54
